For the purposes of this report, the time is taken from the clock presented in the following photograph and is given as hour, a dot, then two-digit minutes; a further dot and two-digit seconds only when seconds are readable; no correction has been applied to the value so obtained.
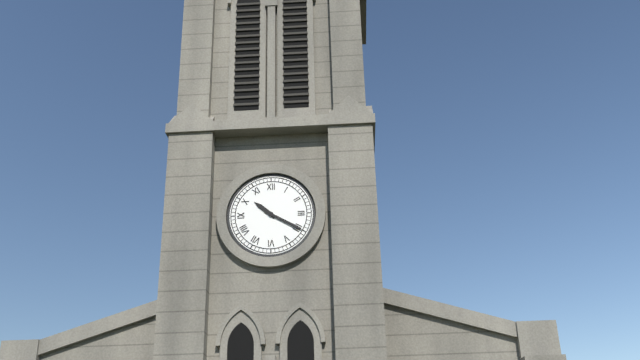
10.20
